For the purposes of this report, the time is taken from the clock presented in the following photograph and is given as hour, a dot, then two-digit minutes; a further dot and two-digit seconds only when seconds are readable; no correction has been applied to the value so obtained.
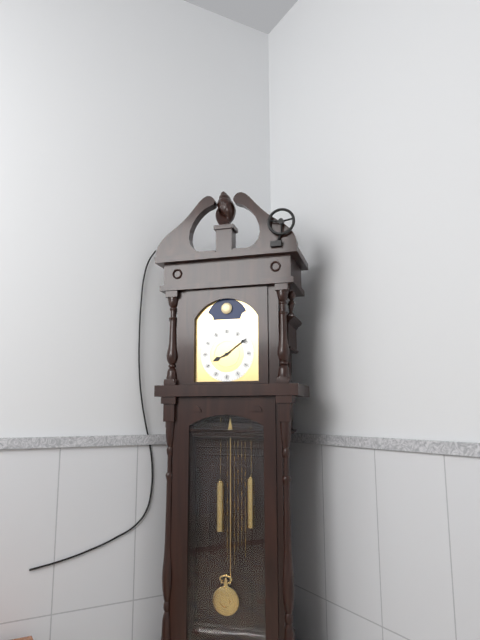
8.09
